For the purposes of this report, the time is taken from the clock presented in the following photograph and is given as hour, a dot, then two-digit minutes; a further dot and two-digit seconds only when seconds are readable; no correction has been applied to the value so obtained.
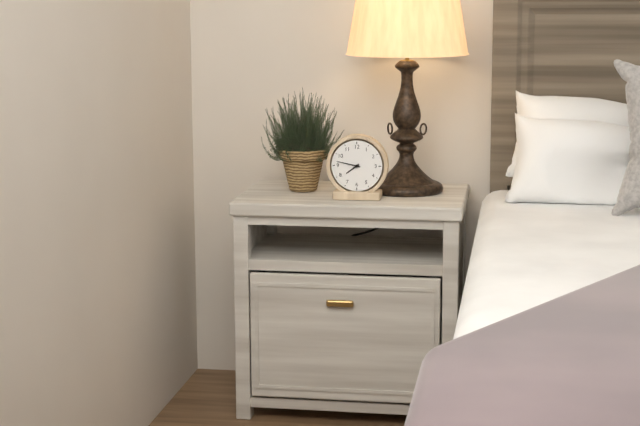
7.47
